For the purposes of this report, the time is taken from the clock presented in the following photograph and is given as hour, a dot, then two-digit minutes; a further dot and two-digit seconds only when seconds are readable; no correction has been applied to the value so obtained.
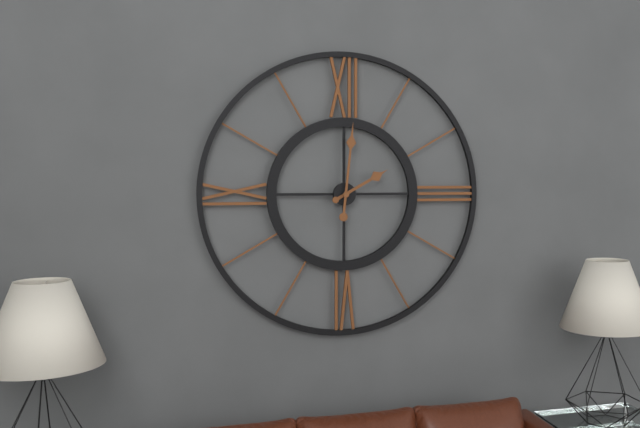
2.01
